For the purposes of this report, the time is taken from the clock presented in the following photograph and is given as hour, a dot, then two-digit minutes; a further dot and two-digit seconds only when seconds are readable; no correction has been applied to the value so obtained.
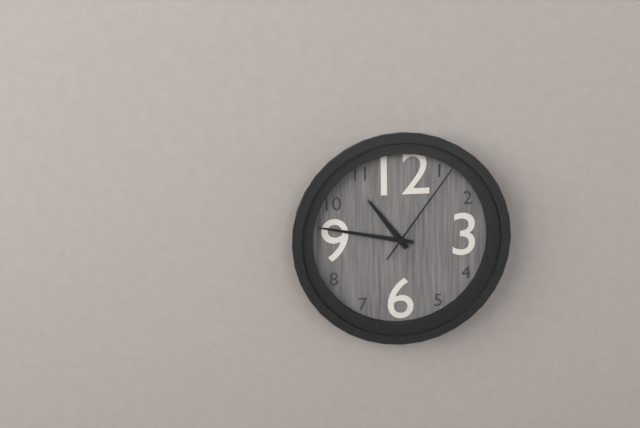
10.47.06
